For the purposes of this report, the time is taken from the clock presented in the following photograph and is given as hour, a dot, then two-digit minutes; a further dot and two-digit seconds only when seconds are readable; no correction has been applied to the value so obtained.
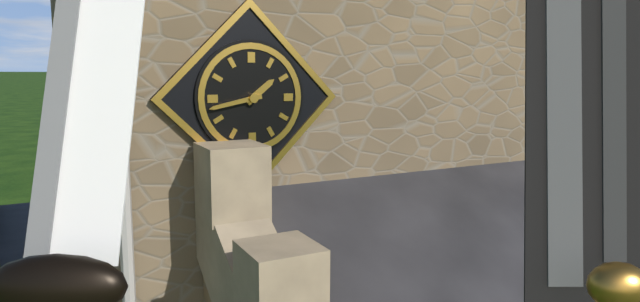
1.43
